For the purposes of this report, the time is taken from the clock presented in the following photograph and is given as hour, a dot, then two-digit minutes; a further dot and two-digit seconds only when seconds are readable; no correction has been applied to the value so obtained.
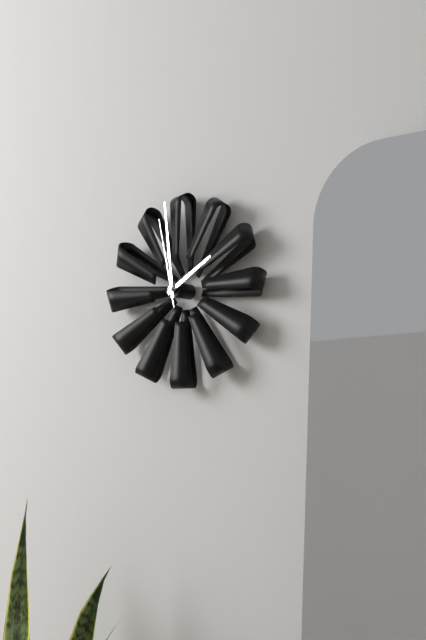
1.59.58
